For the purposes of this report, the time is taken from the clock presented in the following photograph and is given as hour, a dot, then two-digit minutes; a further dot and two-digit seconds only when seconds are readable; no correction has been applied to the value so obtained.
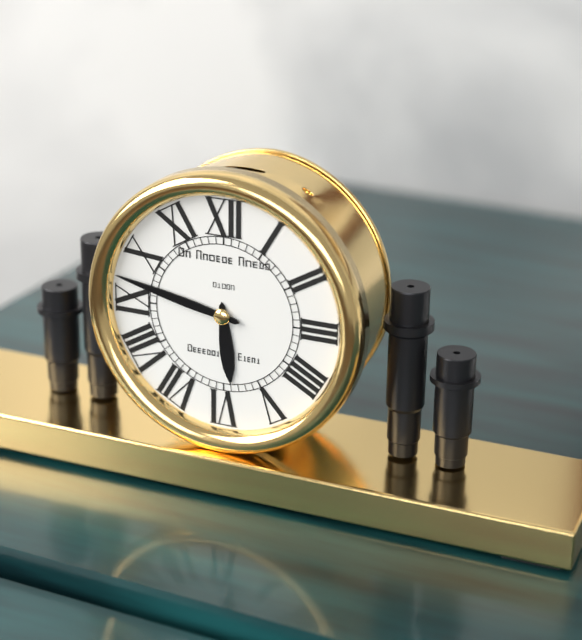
5.47
